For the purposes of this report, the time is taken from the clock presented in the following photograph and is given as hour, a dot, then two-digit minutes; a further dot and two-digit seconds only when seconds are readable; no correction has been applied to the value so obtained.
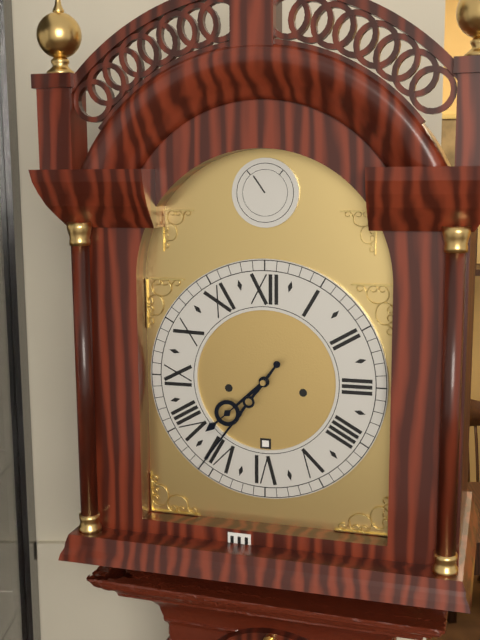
7.36
